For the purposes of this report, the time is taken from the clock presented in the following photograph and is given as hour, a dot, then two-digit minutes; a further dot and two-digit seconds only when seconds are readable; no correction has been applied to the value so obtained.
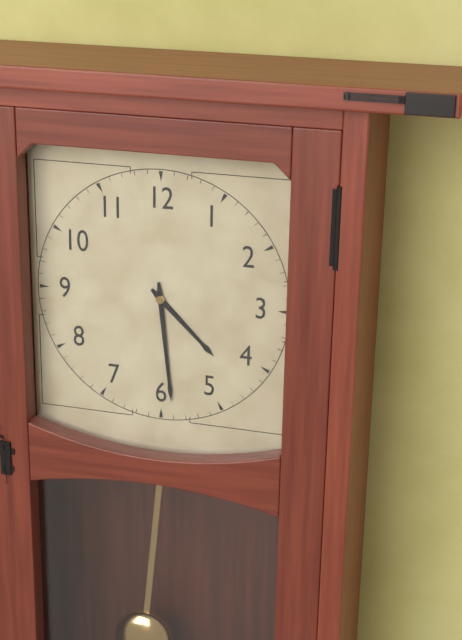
4.29
